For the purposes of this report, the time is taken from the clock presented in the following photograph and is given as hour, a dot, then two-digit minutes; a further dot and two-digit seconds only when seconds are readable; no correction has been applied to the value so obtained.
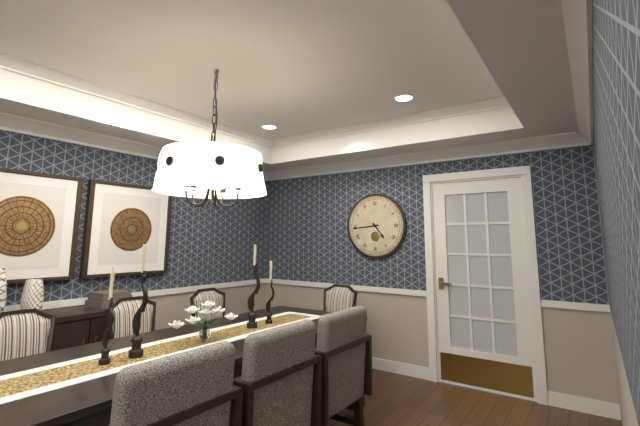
4.44
